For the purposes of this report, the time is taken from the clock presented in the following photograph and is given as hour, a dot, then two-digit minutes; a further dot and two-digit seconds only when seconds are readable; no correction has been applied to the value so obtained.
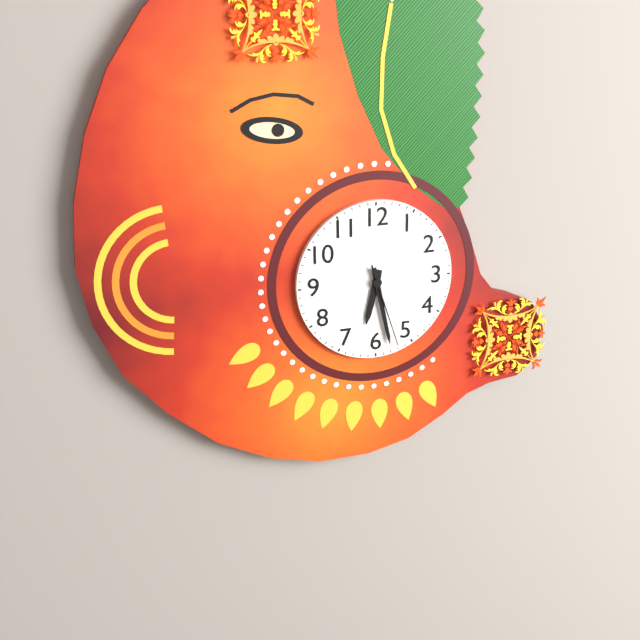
6.28.27
